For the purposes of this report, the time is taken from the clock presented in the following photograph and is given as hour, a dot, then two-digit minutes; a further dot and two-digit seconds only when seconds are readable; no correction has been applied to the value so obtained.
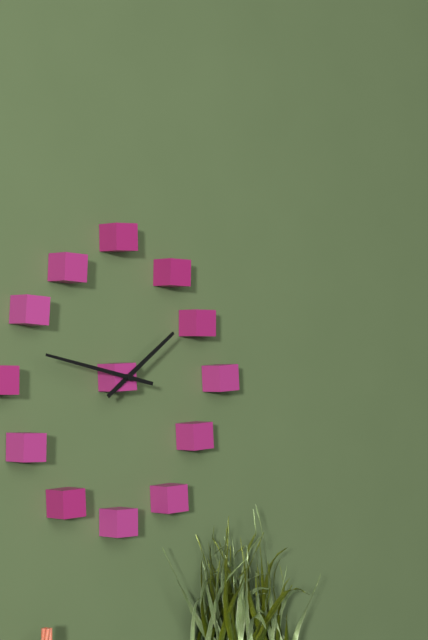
1.47
